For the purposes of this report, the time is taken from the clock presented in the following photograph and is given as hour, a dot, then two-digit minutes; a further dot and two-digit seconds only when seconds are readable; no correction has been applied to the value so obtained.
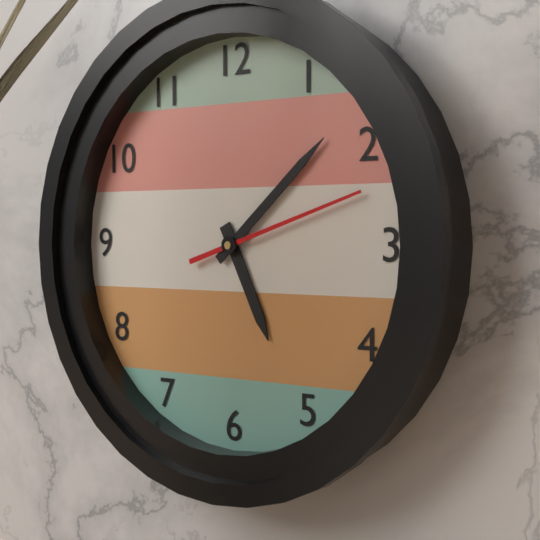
5.08.12
